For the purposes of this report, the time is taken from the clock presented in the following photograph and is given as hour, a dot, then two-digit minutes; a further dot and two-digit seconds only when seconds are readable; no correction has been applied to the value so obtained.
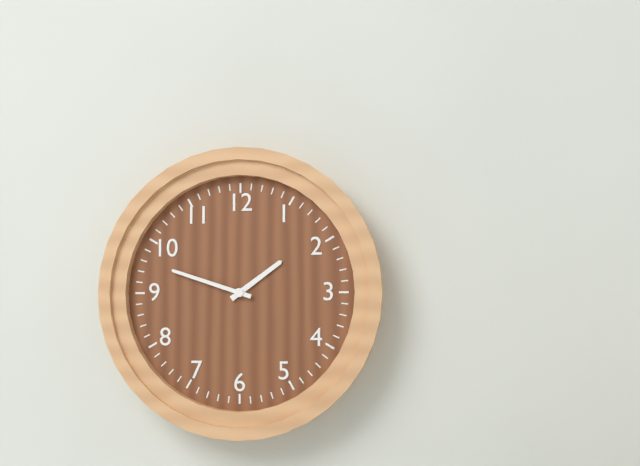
1.48
